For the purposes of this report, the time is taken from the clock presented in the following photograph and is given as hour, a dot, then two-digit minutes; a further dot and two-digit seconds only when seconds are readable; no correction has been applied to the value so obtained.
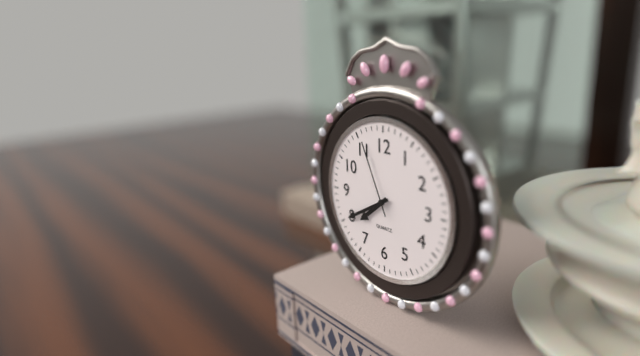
7.40.56
